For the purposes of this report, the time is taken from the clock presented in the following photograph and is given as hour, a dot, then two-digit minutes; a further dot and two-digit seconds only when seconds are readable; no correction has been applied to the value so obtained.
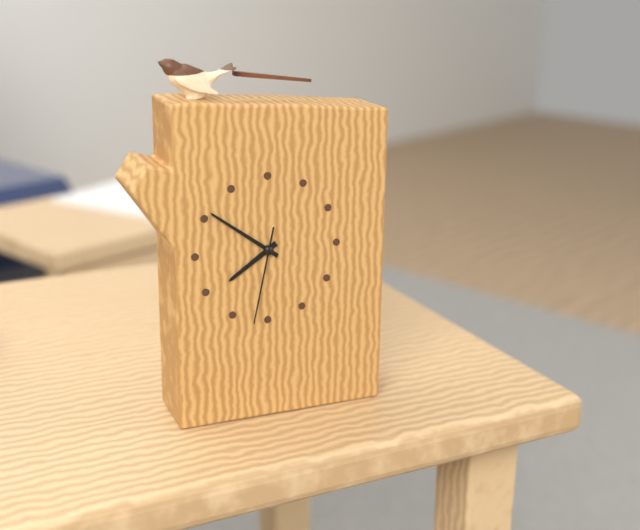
7.51.32
